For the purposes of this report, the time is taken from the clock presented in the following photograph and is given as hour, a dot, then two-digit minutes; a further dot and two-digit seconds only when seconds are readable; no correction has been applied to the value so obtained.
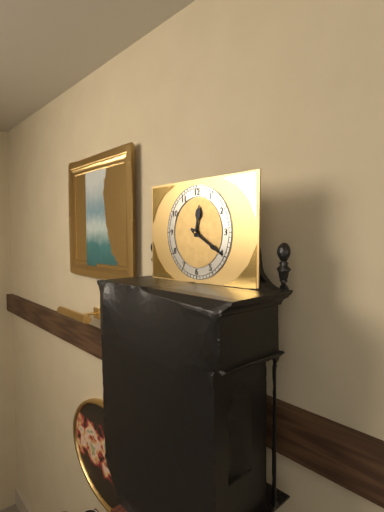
12.20
